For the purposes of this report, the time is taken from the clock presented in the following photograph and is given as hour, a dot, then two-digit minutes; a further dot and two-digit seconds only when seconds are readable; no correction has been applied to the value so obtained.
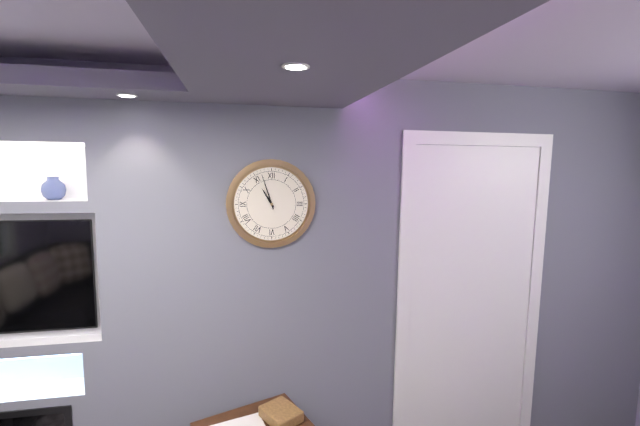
10.57
